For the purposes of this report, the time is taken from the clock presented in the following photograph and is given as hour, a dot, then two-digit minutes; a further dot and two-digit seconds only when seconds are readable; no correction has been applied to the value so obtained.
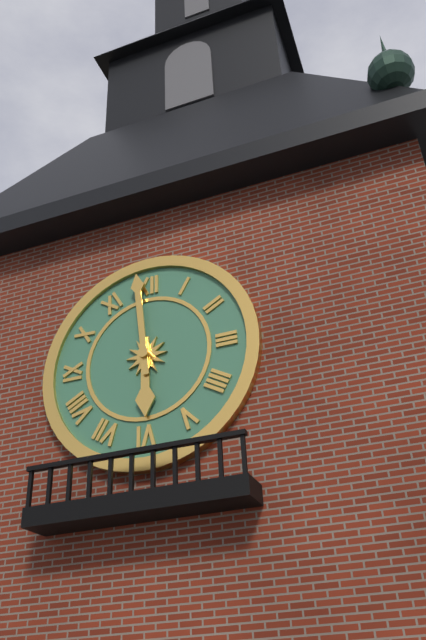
5.59
